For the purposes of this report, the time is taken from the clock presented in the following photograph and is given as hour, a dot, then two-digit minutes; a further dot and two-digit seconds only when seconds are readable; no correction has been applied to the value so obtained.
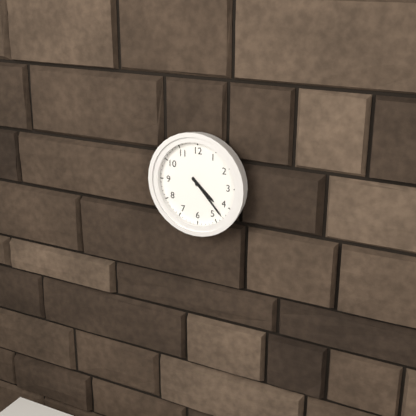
4.23
